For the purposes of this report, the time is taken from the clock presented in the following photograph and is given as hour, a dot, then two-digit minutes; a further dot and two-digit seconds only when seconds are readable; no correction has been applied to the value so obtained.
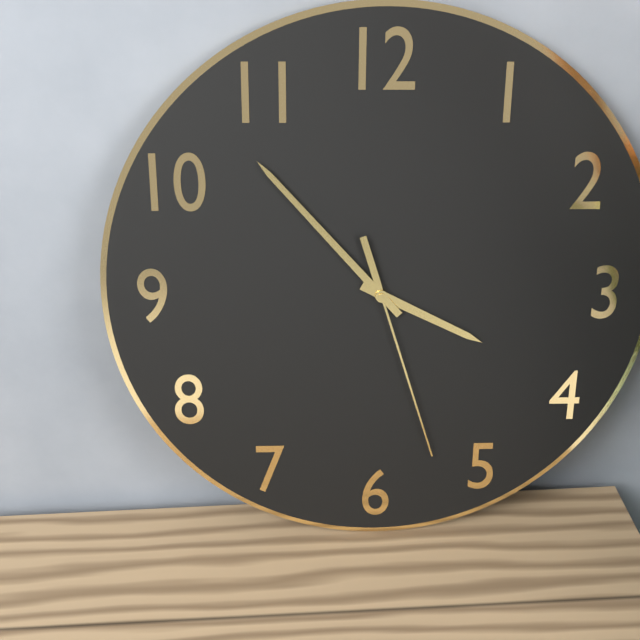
3.53.27
